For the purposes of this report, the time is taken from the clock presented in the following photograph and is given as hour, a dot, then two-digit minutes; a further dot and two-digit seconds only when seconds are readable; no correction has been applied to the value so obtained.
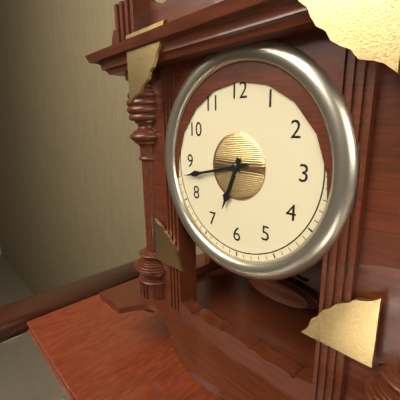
6.43
